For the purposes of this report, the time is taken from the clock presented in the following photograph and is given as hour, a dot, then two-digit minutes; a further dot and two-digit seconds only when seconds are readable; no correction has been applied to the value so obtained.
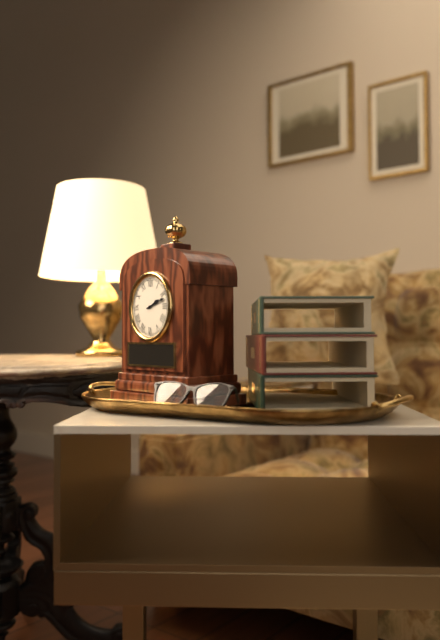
2.12
